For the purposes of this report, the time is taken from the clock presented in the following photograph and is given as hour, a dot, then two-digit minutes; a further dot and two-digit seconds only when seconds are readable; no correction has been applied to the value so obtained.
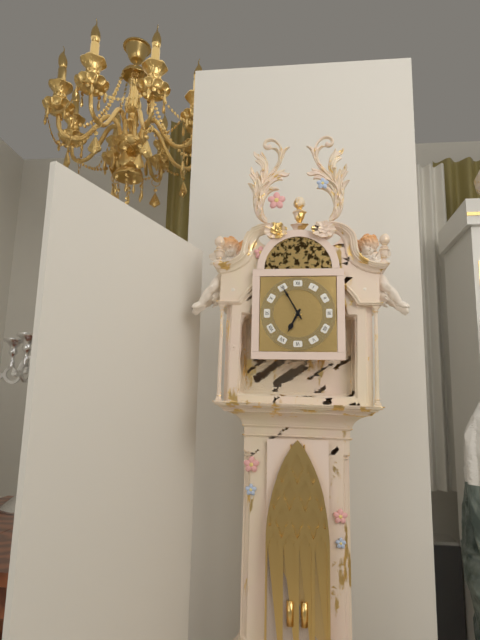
6.55
